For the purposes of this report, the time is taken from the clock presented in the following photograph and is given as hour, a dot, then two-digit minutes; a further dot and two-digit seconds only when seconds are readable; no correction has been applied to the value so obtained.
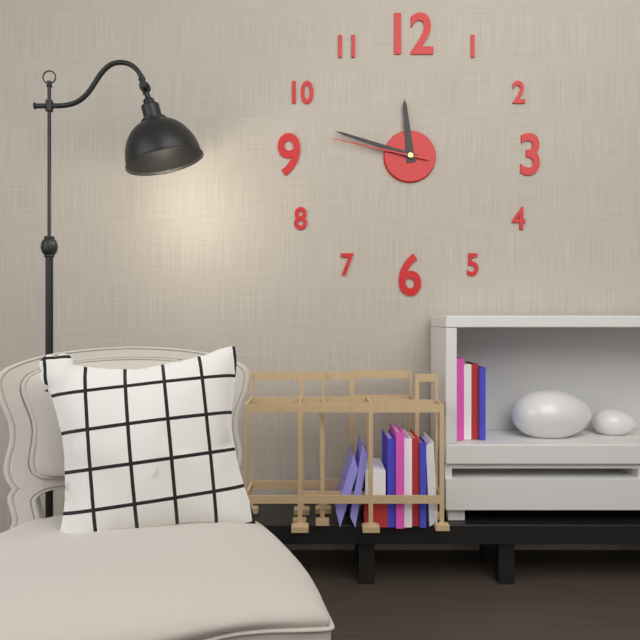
11.48.47
